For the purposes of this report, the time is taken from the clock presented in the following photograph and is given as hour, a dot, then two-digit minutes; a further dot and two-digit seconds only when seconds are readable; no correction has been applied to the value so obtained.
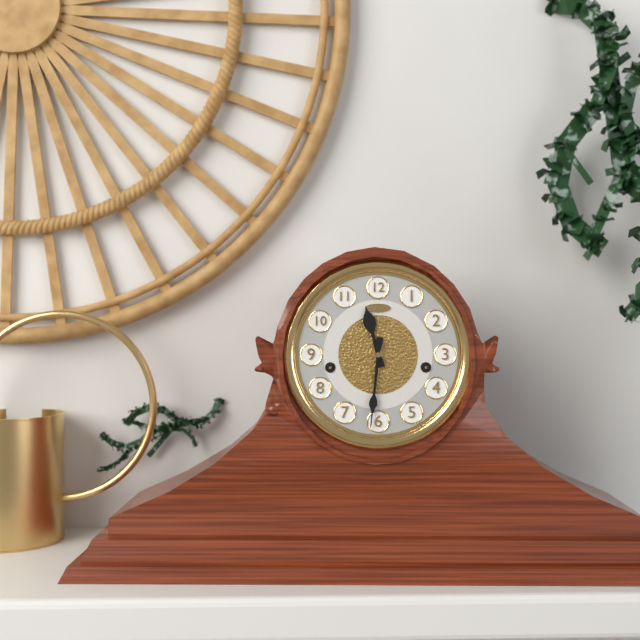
11.31
